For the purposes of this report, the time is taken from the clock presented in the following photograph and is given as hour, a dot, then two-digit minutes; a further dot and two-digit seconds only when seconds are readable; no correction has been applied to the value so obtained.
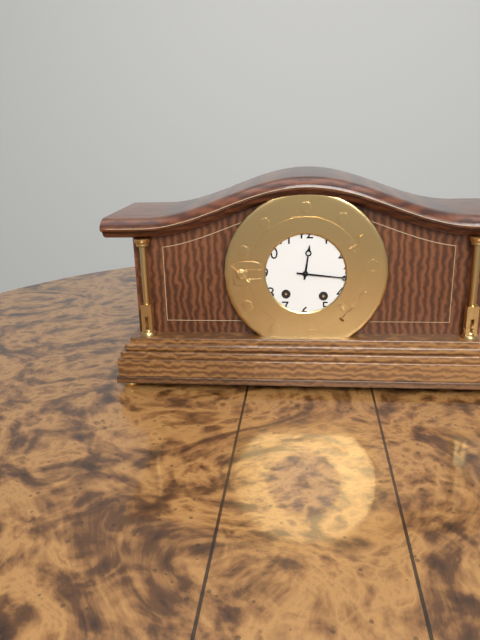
12.16
